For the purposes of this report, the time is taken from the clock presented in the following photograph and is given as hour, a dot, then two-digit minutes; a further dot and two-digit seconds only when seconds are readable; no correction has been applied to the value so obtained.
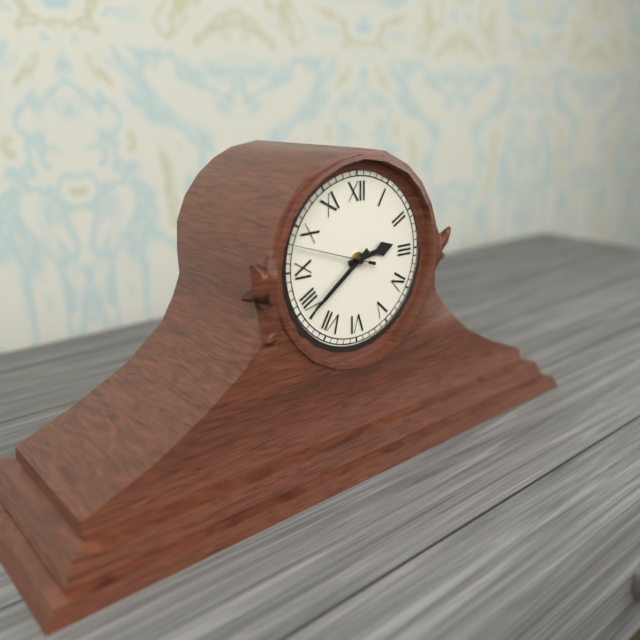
2.39.48
